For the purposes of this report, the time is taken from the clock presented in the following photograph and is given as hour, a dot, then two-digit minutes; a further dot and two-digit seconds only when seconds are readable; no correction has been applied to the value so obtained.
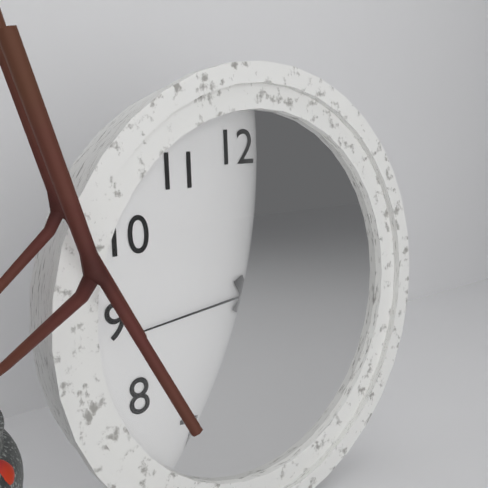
5.07.44
